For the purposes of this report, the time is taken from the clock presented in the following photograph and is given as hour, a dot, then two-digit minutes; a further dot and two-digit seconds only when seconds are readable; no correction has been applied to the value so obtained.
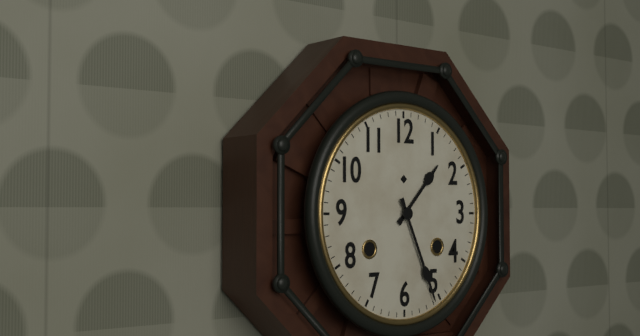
1.26
